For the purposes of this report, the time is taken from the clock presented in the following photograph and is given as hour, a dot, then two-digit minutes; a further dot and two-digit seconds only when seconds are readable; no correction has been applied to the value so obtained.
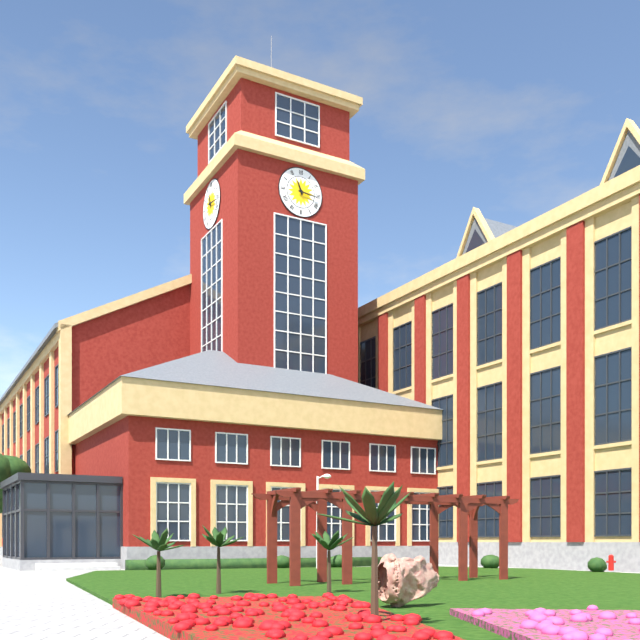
11.16
